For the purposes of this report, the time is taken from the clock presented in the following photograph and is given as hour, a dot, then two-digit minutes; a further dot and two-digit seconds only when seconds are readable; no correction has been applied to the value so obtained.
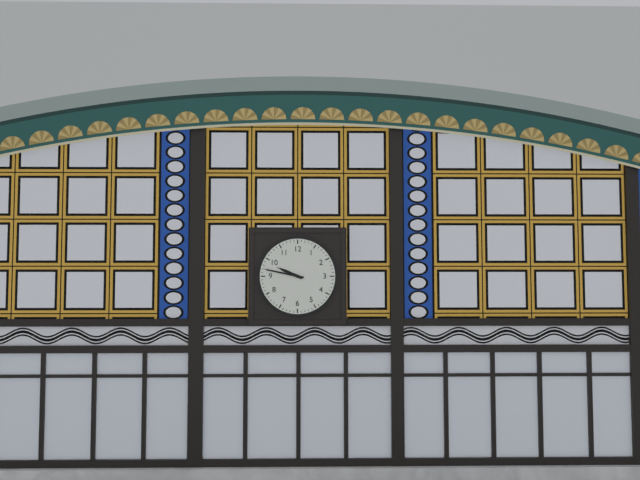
9.47
